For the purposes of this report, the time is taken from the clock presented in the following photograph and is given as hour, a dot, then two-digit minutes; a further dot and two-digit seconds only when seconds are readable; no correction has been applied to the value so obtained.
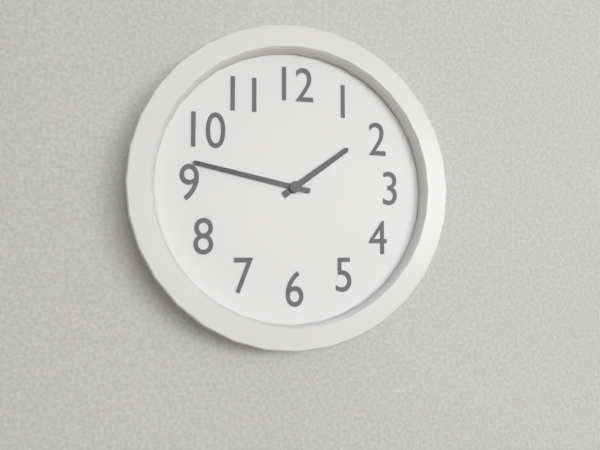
1.47
